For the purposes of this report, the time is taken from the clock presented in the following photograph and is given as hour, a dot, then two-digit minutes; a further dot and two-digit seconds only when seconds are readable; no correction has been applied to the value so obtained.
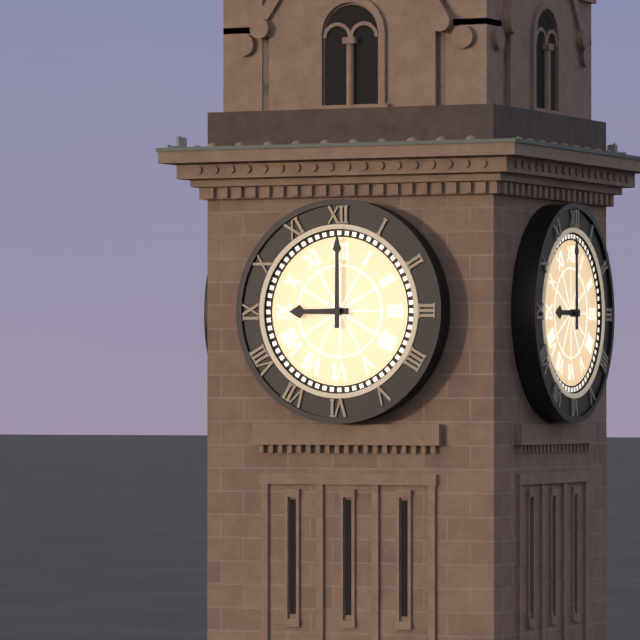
9.00
